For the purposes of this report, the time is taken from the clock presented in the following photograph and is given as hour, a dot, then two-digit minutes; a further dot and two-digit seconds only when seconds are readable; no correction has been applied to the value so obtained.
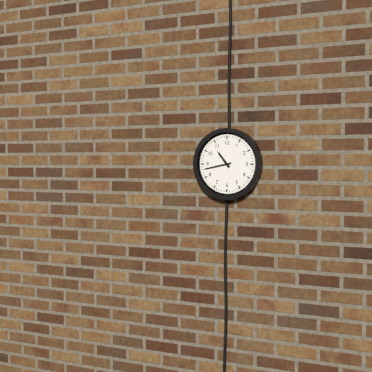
10.43
